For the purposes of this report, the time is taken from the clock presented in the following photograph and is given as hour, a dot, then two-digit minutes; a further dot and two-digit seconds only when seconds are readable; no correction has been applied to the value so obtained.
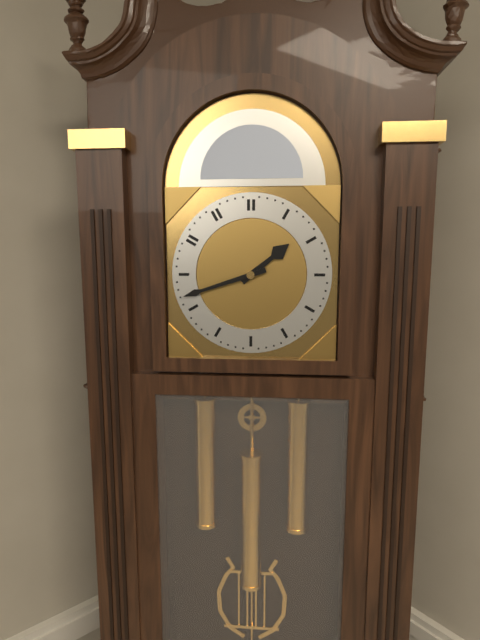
1.42
